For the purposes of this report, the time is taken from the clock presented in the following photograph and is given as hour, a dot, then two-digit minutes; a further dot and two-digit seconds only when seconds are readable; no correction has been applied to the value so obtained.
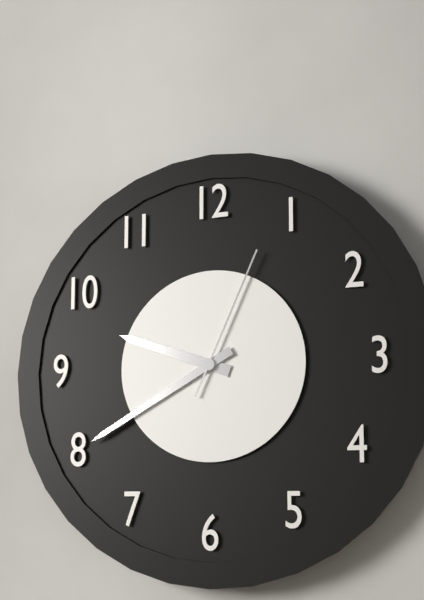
9.40.04
